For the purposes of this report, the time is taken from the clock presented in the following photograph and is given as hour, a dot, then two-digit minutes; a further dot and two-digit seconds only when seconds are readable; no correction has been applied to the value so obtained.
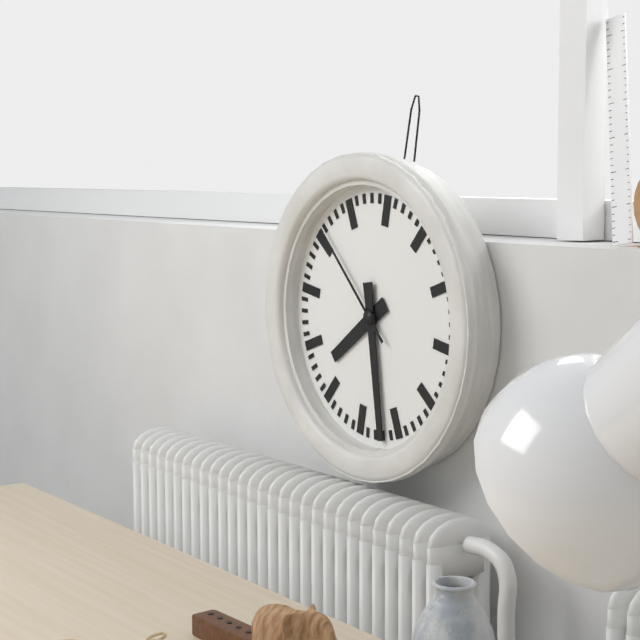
7.27.51
